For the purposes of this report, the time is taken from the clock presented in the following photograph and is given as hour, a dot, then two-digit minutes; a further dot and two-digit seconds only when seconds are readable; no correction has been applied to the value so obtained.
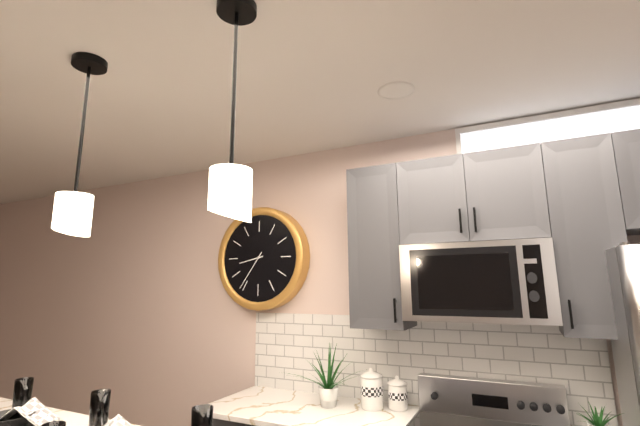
8.36
